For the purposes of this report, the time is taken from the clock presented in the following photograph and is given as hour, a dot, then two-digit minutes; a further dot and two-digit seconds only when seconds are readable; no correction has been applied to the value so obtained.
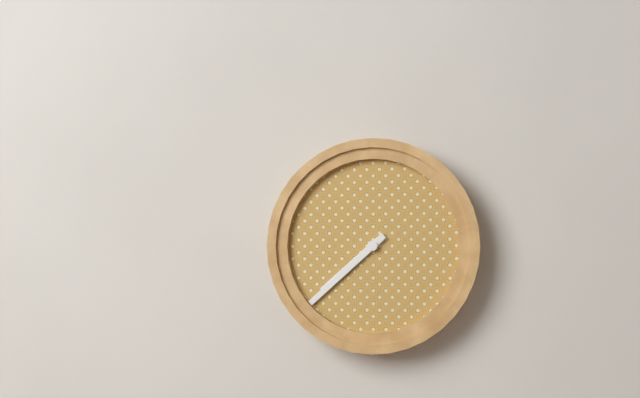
7.38
